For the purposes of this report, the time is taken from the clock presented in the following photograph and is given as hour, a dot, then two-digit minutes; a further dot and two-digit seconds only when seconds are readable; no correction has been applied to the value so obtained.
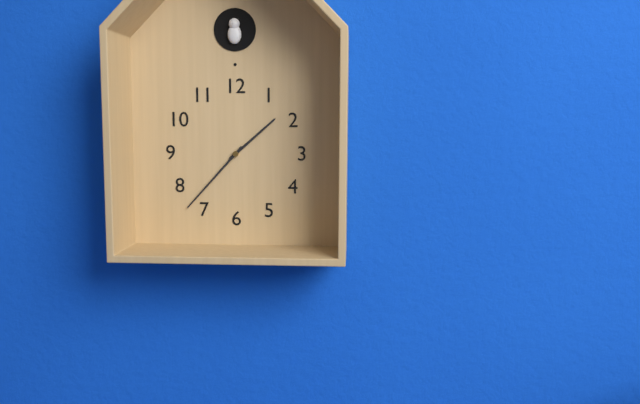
1.37
